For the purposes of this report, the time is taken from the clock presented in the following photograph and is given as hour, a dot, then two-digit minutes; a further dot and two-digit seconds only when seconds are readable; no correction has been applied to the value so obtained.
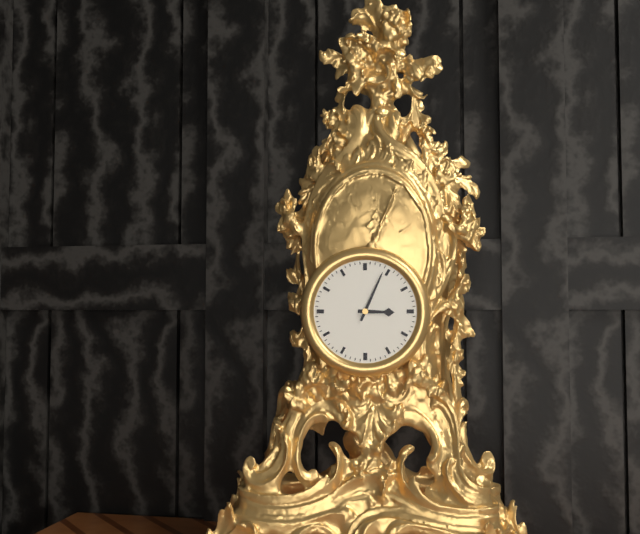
3.04
